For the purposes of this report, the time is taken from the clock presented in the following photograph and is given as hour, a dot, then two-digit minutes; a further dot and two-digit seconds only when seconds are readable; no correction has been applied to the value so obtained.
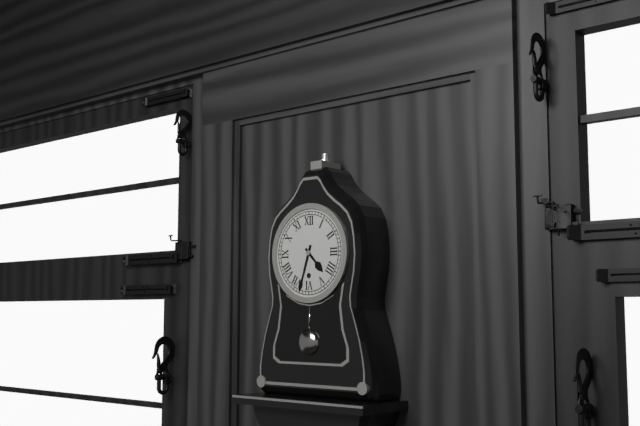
4.33
